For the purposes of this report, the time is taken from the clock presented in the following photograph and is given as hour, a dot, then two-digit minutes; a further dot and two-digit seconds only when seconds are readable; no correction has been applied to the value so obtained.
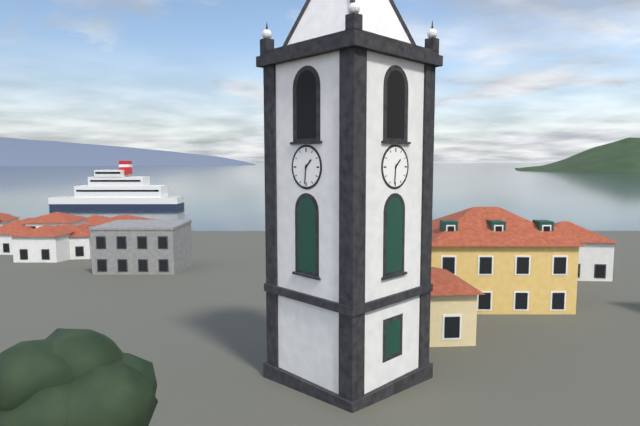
1.31
